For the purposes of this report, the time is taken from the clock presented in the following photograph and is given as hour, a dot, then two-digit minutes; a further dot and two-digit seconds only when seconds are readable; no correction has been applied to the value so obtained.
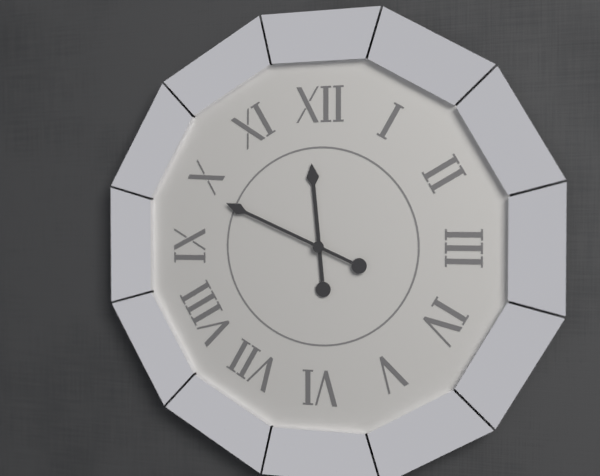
11.49
